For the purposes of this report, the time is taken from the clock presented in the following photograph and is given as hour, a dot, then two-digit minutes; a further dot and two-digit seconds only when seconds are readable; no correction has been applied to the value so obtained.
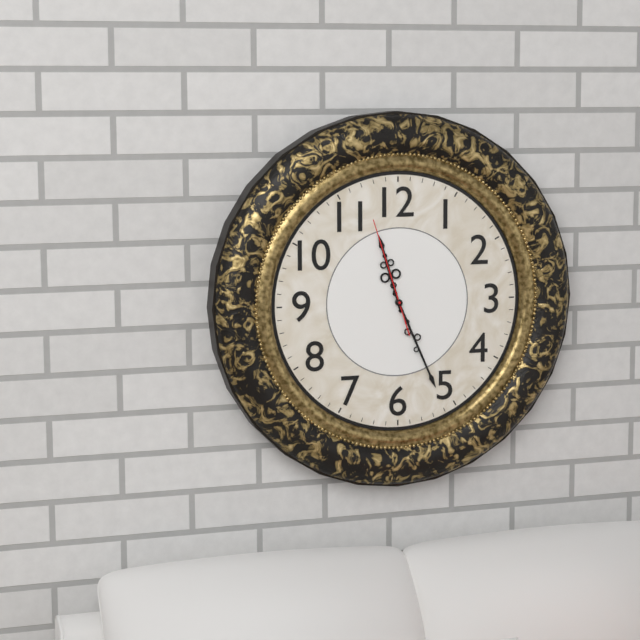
11.26.57
